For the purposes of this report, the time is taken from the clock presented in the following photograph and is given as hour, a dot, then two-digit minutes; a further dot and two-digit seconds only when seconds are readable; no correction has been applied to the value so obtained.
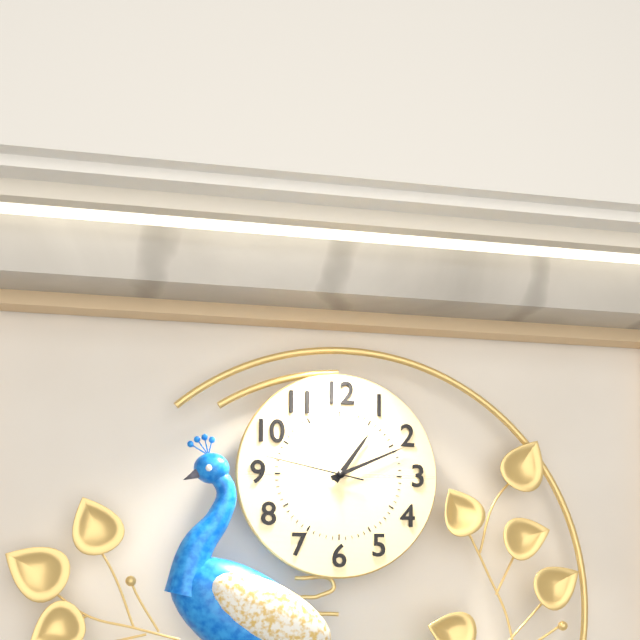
1.11.47
